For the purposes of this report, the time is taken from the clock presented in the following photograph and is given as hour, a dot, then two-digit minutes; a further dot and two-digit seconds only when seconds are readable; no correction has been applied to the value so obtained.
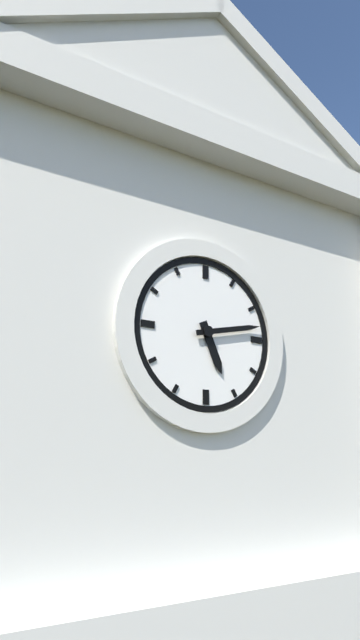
5.13
